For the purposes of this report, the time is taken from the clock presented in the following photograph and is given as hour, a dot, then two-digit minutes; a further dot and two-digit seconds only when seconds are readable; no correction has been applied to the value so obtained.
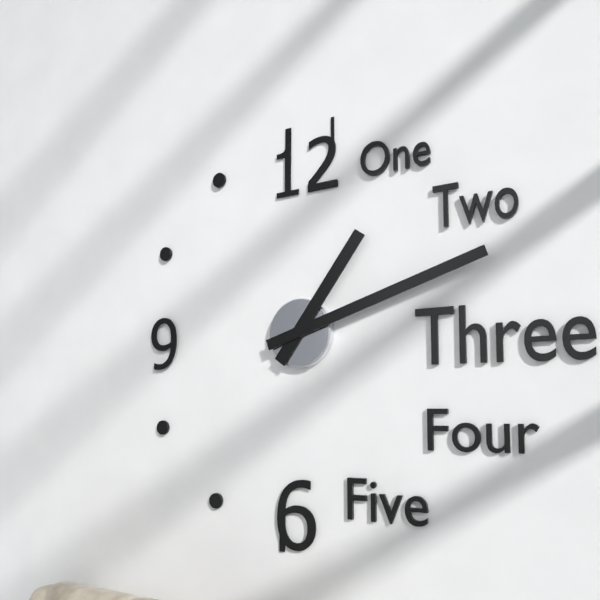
1.12
